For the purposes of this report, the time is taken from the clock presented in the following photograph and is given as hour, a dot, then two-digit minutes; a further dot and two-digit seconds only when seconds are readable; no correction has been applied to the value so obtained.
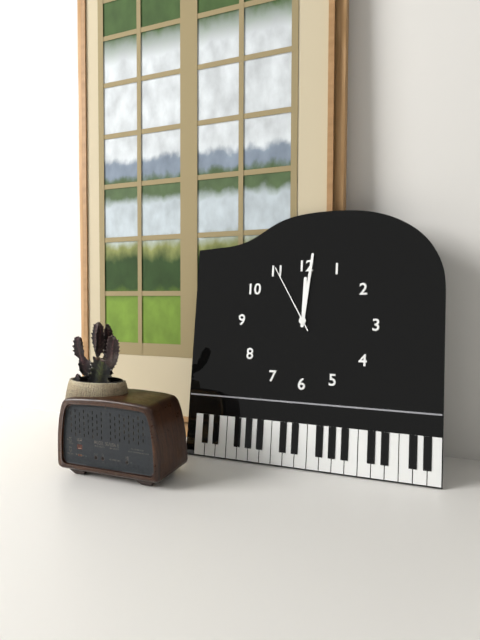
12.01.55
